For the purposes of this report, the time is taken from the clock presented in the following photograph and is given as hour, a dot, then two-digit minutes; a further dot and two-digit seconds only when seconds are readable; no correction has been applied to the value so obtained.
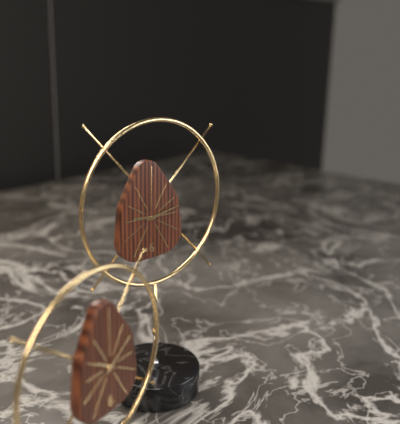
9.13
